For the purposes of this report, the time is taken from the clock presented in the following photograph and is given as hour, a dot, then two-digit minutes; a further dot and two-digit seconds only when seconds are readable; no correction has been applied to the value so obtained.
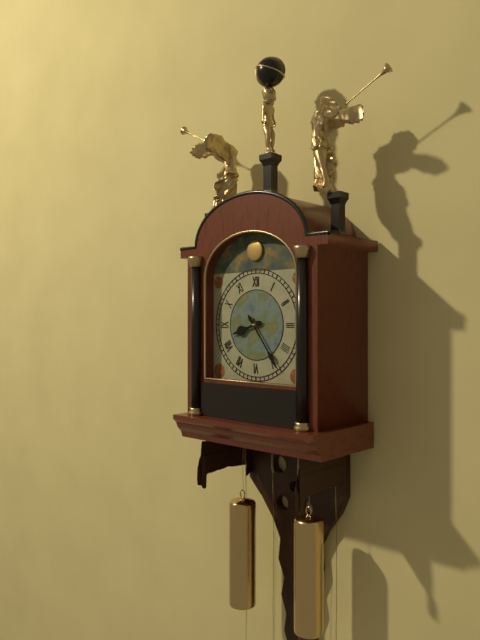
8.24
